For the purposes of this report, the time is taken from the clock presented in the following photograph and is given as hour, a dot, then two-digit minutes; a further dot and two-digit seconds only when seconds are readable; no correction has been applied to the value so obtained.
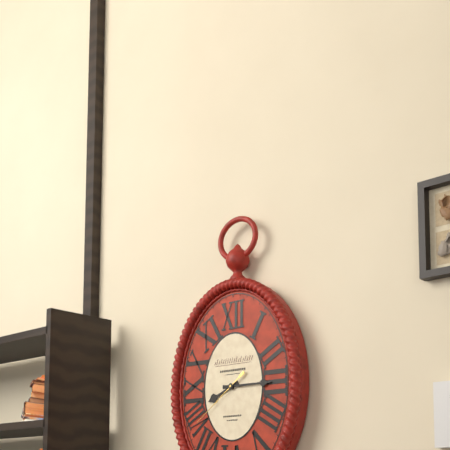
8.15.39
